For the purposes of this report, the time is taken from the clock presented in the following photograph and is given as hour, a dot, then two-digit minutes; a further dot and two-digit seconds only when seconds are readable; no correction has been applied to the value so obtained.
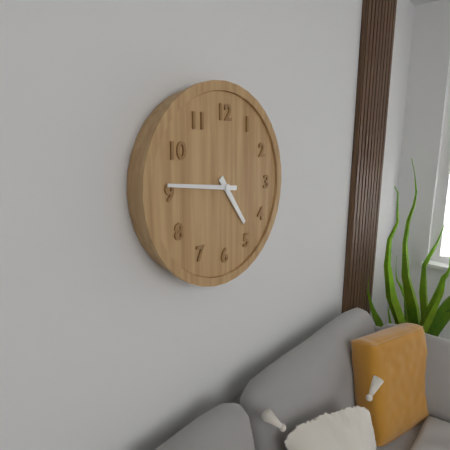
4.46
